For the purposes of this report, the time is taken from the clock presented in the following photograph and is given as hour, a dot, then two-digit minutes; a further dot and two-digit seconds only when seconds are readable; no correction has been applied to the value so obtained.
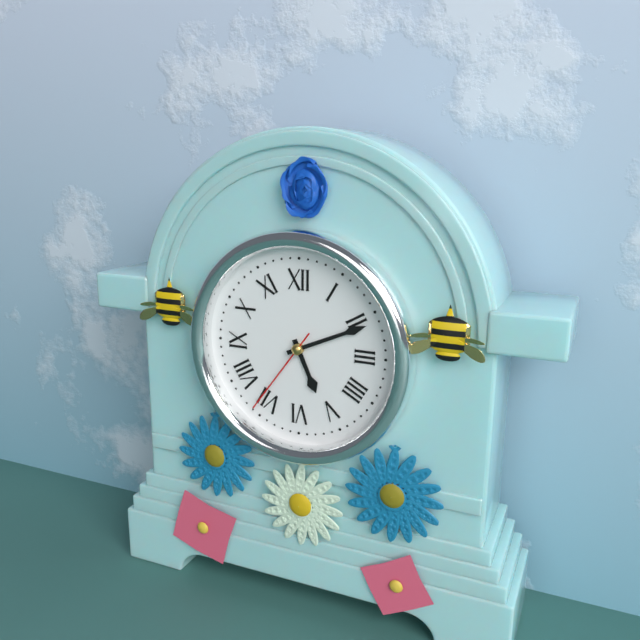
5.11.36
